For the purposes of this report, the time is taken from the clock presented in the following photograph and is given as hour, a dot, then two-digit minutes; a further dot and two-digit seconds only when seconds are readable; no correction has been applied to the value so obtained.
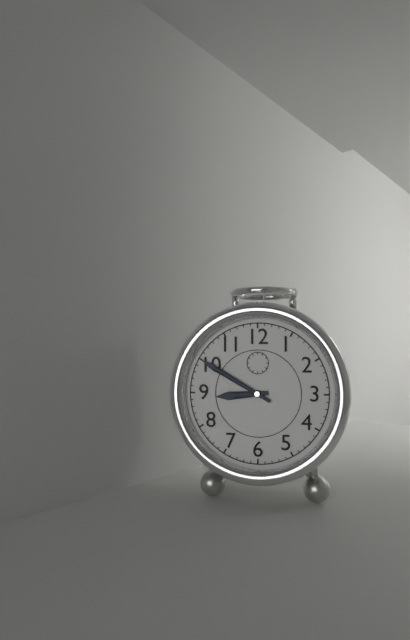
8.50
